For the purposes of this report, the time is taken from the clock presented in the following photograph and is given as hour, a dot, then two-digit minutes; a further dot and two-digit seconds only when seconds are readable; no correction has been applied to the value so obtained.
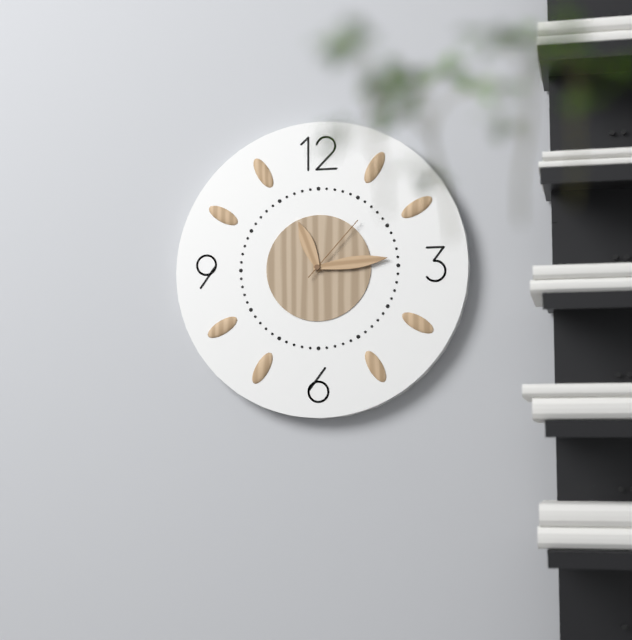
11.14.07
